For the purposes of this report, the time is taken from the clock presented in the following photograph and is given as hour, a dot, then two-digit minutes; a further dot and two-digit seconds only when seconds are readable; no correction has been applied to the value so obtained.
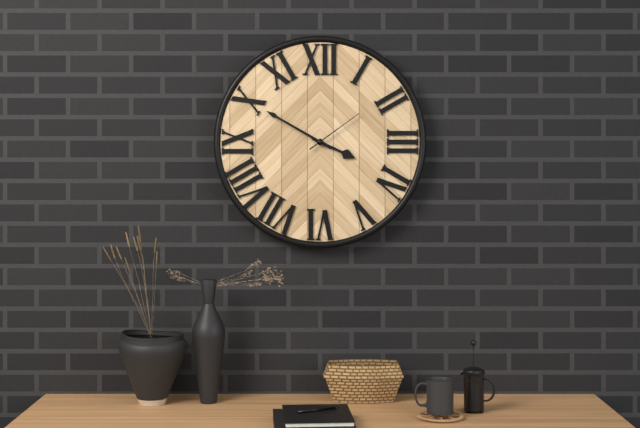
3.50.09
